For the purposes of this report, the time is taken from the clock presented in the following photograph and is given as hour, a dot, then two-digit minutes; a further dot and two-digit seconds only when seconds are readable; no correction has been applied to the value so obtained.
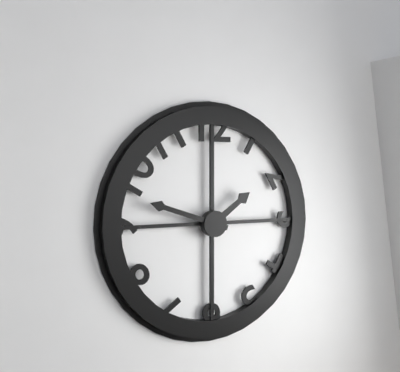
1.48
